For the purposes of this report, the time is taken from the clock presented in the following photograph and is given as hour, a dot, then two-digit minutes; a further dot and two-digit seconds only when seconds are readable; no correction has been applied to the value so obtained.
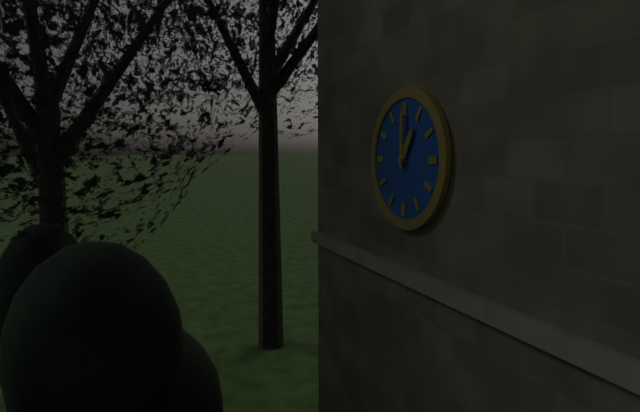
1.00
